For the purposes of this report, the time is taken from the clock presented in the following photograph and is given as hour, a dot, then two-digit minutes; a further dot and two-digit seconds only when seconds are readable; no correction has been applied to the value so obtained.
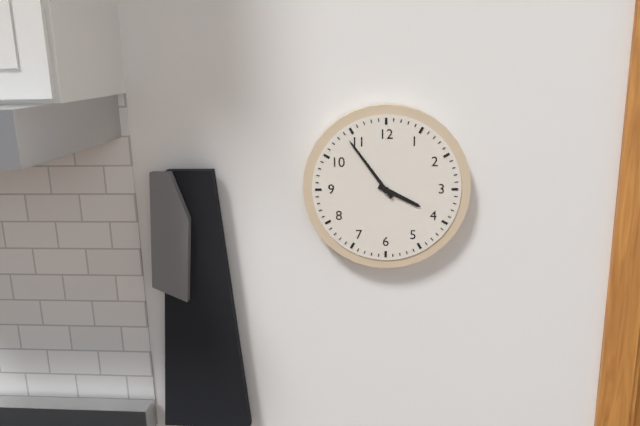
3.54
